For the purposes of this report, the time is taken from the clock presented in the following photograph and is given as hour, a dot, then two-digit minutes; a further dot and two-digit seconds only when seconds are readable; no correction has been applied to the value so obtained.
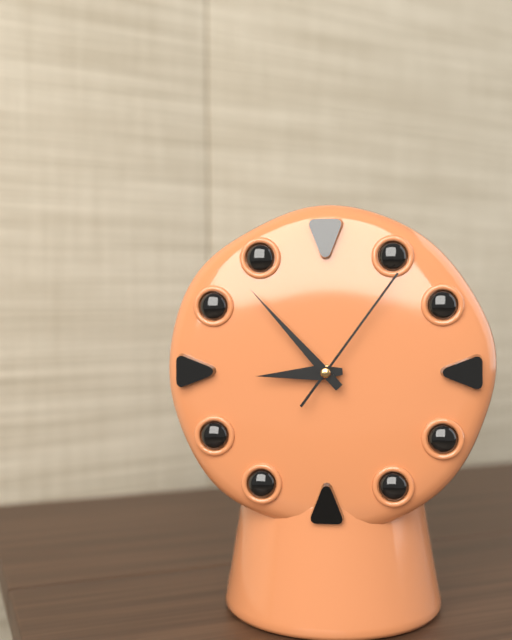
8.53.06
